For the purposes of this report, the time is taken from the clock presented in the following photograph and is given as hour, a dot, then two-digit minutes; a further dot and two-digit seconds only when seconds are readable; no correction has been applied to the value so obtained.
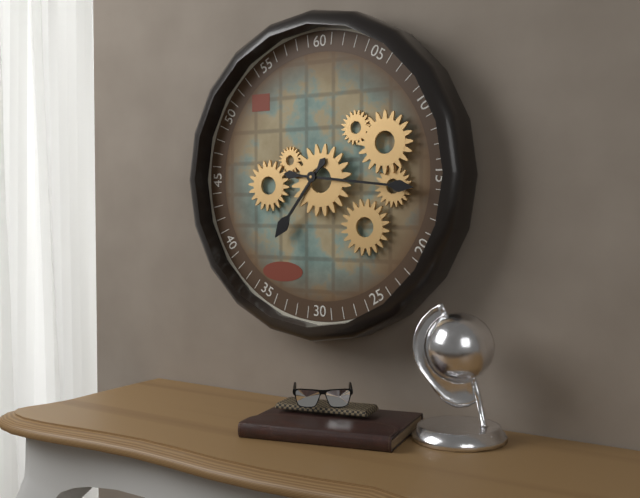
7.16
